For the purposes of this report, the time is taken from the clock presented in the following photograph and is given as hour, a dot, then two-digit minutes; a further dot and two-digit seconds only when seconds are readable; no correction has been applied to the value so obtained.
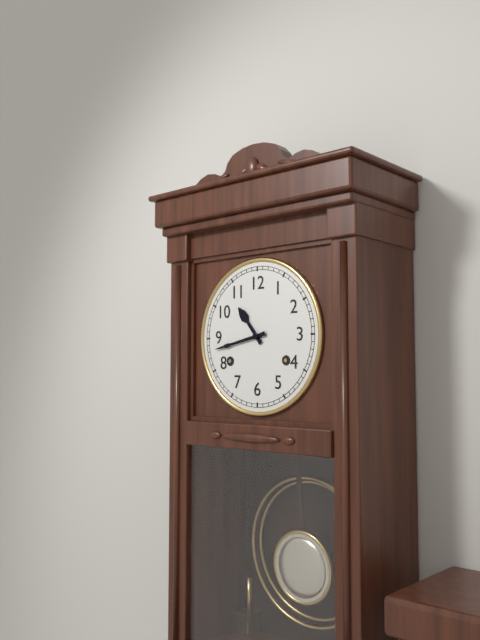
10.43
